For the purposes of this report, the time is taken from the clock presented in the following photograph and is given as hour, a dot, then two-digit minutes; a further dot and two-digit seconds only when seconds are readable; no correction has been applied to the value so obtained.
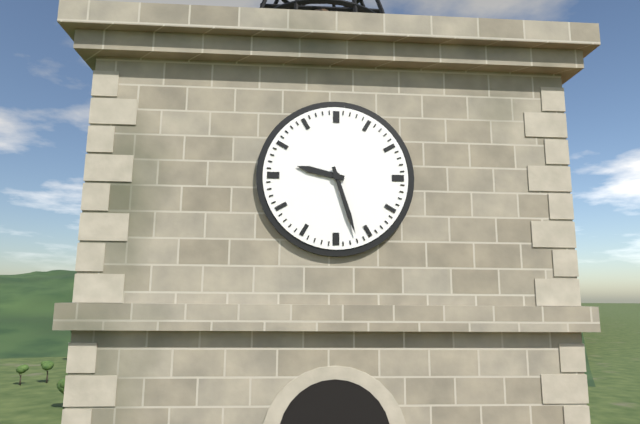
9.27
